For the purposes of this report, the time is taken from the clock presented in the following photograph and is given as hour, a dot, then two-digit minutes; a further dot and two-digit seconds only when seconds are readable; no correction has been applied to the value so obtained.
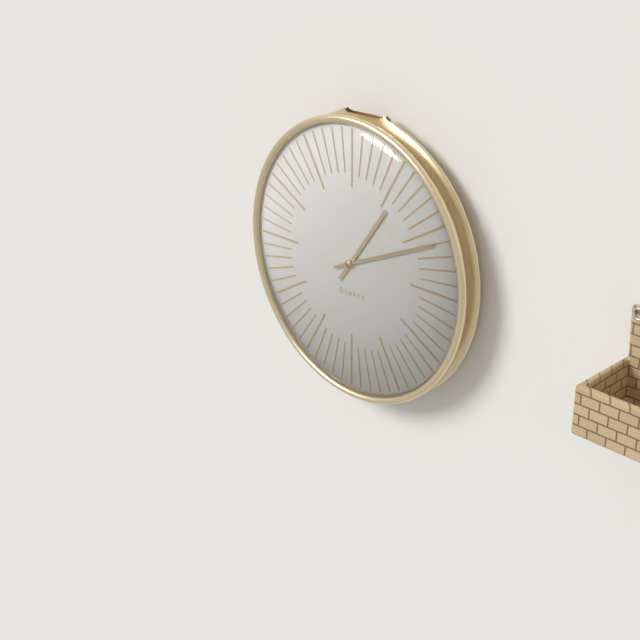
1.11
